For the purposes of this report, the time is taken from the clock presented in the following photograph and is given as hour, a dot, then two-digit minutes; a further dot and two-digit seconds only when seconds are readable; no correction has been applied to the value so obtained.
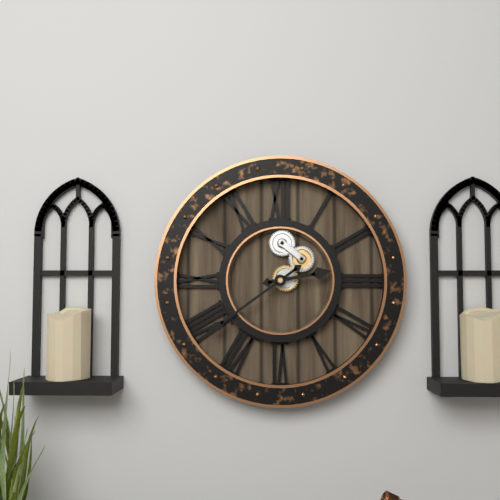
2.39
